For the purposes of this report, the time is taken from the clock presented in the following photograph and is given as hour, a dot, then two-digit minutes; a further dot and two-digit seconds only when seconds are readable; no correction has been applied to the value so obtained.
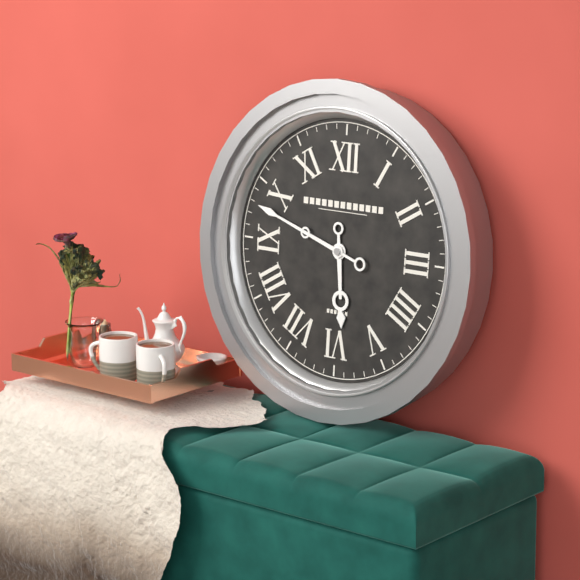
5.48
